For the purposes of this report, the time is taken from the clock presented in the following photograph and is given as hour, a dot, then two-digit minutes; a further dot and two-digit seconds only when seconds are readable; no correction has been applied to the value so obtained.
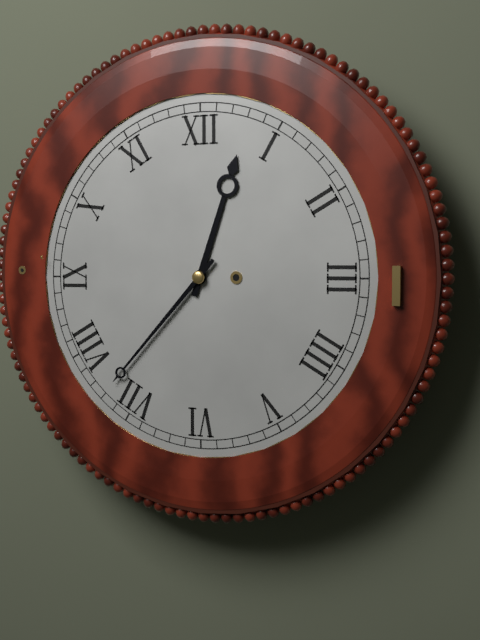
12.37
